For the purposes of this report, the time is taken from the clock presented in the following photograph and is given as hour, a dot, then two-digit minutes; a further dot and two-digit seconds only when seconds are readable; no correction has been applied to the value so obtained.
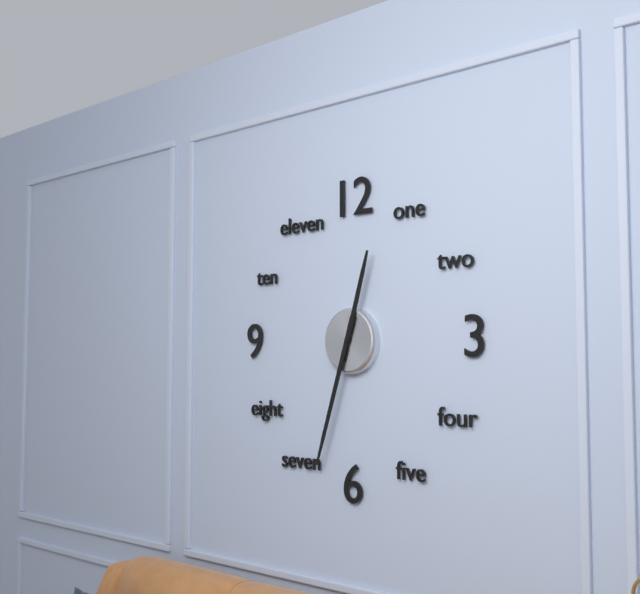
12.33
